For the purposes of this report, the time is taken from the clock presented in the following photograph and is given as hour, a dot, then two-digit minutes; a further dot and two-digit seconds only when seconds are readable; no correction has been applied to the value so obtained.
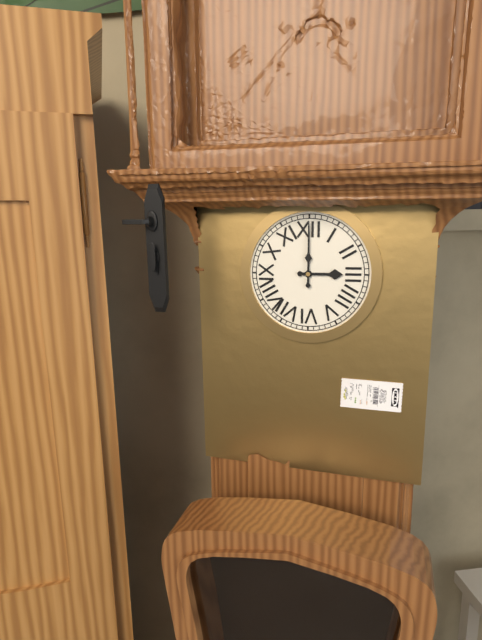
3.00
